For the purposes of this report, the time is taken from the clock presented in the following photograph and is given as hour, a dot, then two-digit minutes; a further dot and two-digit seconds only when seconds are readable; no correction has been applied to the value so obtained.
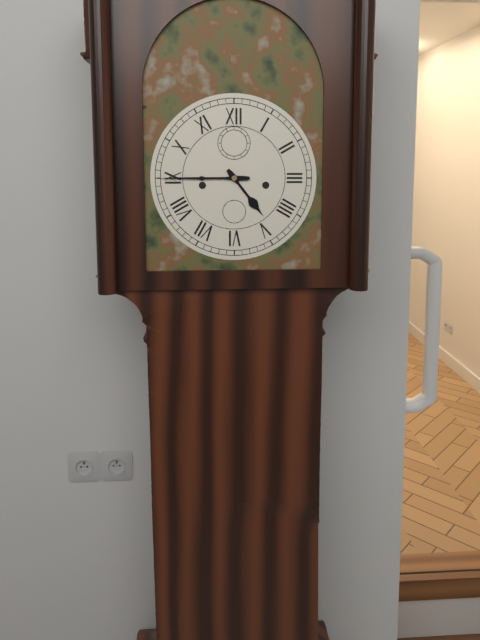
4.45
